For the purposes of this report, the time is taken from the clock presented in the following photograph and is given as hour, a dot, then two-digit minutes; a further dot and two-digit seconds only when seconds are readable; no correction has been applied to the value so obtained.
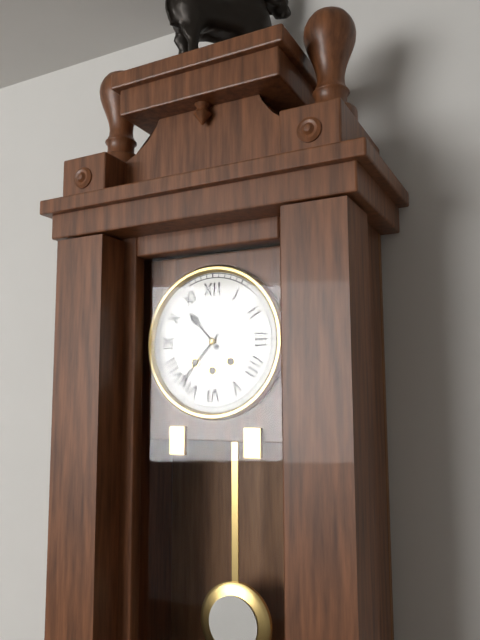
10.37
